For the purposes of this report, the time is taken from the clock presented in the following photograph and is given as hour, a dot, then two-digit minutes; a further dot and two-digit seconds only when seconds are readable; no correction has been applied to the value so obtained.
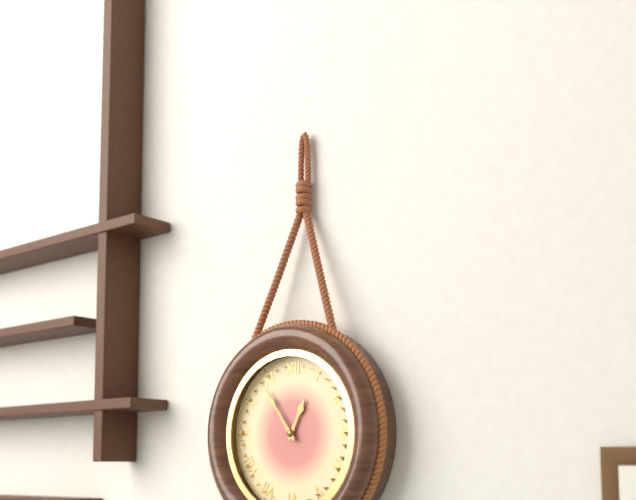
12.54
